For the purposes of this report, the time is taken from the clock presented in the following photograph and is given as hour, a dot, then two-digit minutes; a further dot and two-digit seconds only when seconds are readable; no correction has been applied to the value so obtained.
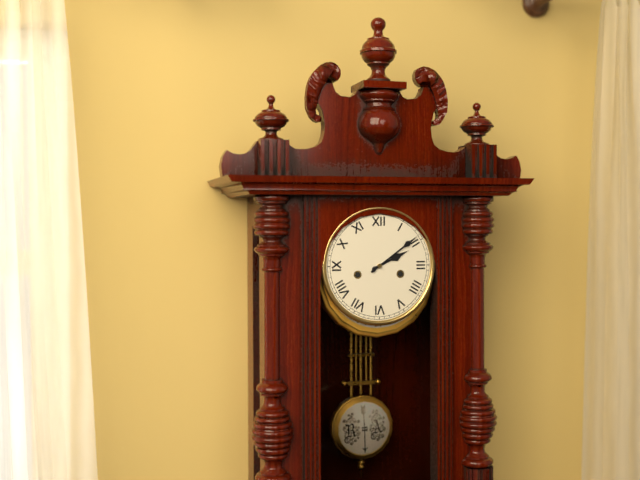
2.09
